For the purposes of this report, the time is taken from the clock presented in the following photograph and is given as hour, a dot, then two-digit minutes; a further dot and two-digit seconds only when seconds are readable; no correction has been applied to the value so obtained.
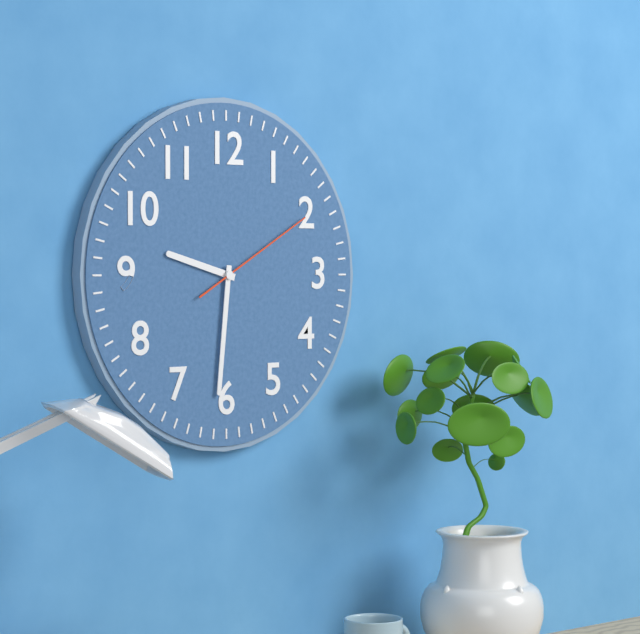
9.31.10
